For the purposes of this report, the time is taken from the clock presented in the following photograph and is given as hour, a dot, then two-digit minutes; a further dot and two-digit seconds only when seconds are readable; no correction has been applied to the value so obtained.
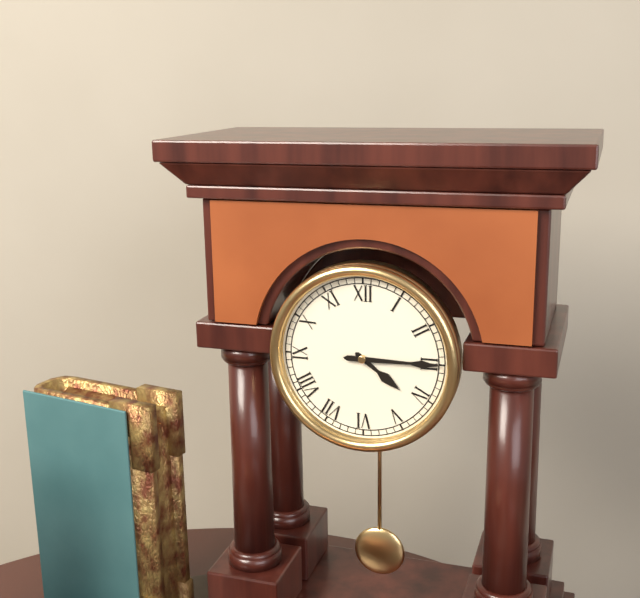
4.15
